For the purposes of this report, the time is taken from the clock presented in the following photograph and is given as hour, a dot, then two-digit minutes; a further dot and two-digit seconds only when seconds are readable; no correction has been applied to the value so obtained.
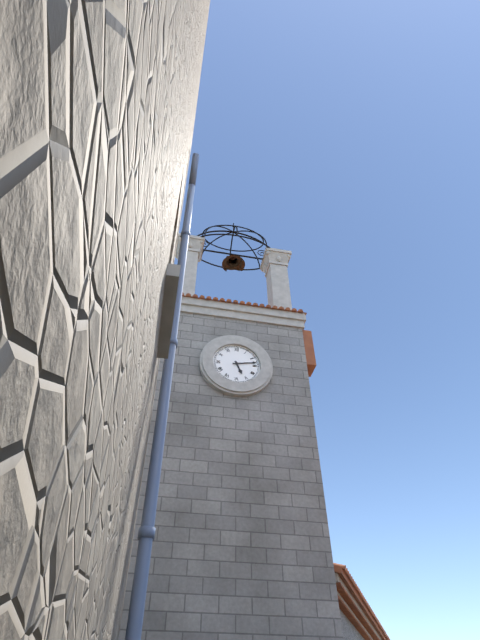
5.13
